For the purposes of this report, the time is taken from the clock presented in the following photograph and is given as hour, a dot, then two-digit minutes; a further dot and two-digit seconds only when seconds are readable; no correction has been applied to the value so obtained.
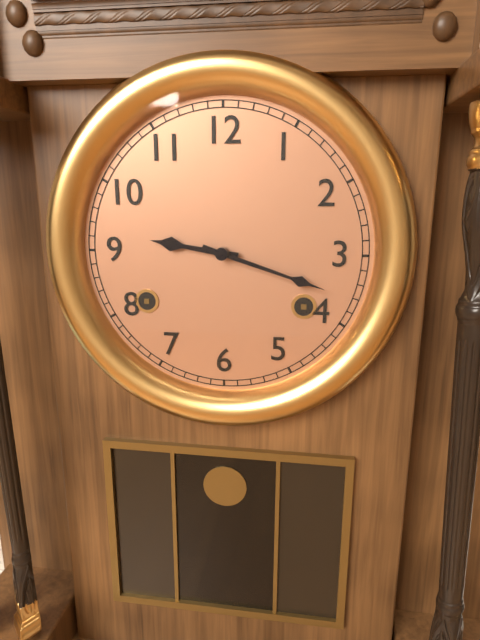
9.18
